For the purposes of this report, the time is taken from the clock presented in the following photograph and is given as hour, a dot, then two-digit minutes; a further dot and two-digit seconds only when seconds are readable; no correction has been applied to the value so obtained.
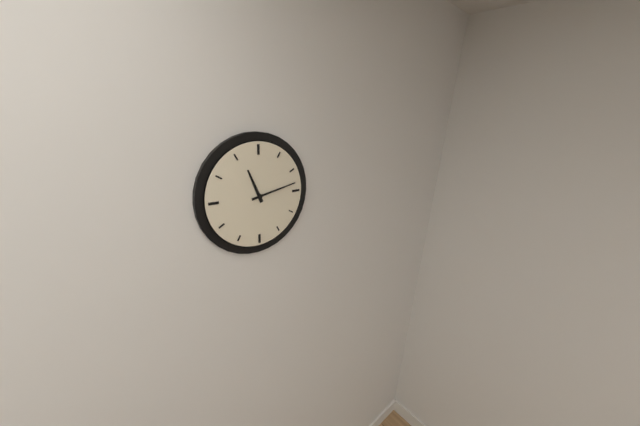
11.13
